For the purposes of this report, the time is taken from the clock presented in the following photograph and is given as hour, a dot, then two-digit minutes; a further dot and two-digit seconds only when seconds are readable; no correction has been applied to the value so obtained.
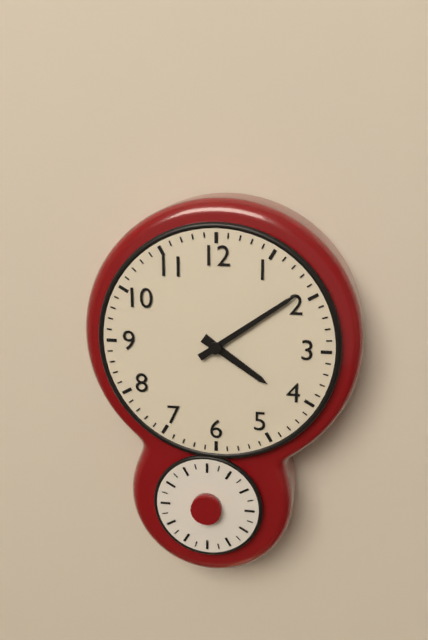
4.09
